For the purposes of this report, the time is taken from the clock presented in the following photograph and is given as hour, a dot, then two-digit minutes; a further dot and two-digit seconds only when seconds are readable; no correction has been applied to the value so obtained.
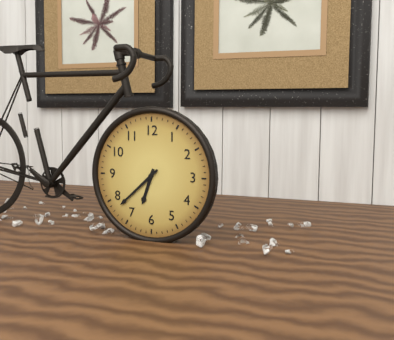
6.38
